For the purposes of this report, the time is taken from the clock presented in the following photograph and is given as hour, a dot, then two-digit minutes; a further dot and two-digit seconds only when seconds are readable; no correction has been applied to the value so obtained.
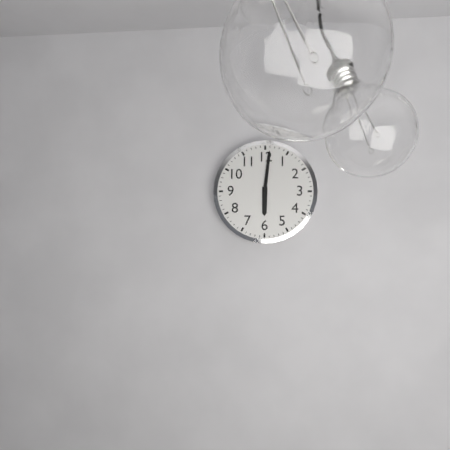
6.01
